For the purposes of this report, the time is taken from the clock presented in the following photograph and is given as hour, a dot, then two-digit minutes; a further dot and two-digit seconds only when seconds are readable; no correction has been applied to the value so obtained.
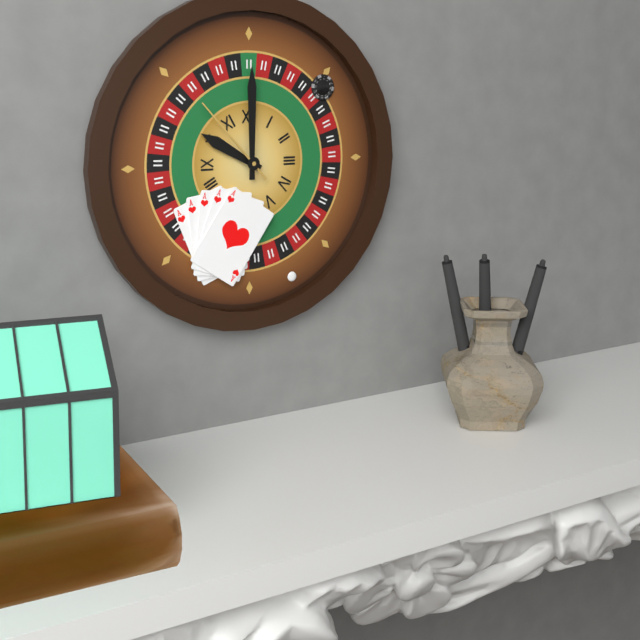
10.00.53
